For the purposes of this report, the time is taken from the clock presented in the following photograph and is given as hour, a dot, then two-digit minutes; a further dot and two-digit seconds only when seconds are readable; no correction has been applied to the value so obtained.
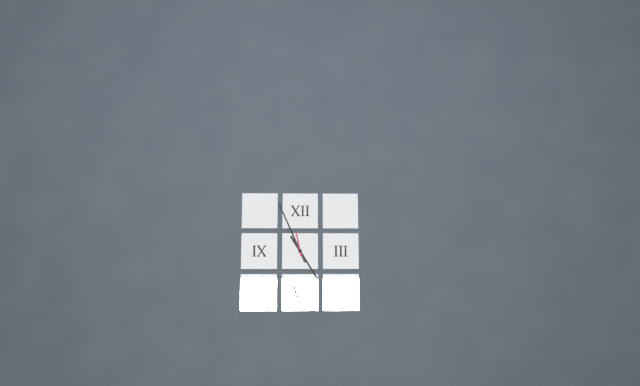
4.56
